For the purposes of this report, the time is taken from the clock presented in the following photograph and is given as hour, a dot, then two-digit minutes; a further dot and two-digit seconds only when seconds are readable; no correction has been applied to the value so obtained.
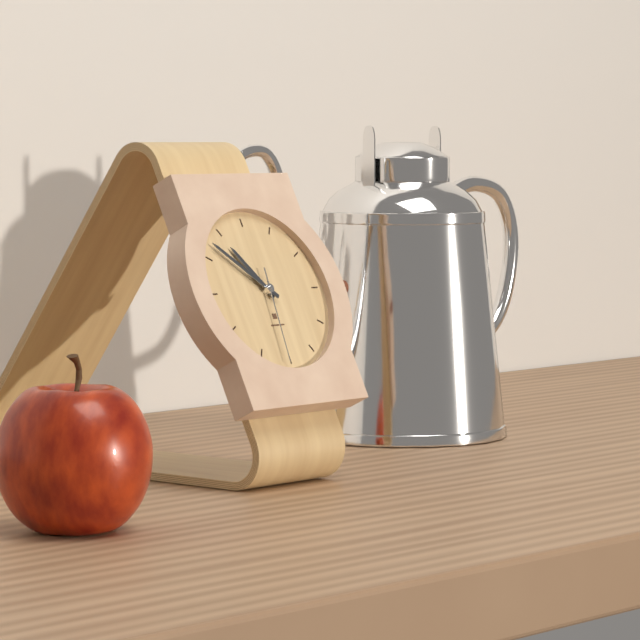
10.52.31
